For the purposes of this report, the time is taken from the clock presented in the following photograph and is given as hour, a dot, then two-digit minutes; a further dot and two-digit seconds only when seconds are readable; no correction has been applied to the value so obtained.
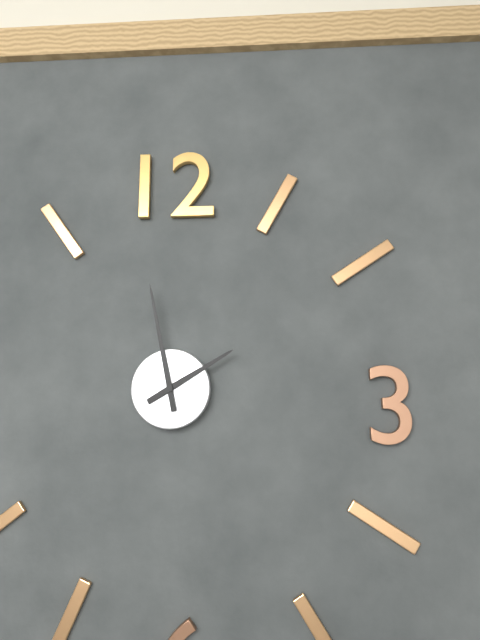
1.58
